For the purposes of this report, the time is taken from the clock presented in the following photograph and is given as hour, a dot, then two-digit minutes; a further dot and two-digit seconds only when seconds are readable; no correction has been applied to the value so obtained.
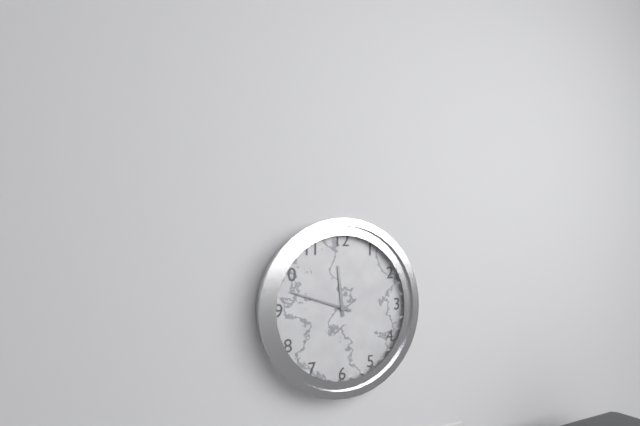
11.48
